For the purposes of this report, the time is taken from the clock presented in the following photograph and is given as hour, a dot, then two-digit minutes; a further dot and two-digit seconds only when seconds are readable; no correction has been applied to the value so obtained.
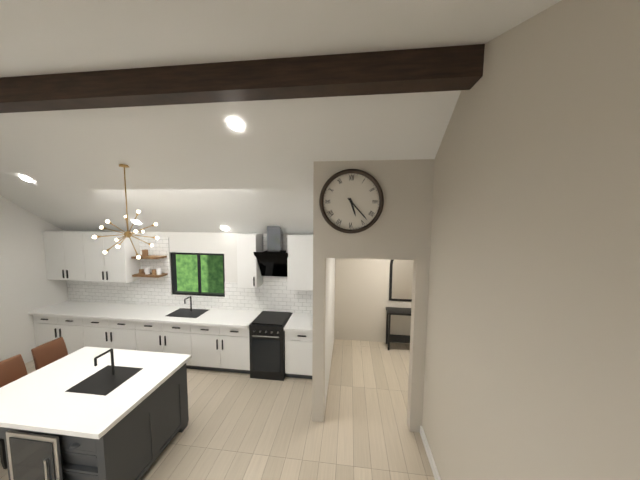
5.23
